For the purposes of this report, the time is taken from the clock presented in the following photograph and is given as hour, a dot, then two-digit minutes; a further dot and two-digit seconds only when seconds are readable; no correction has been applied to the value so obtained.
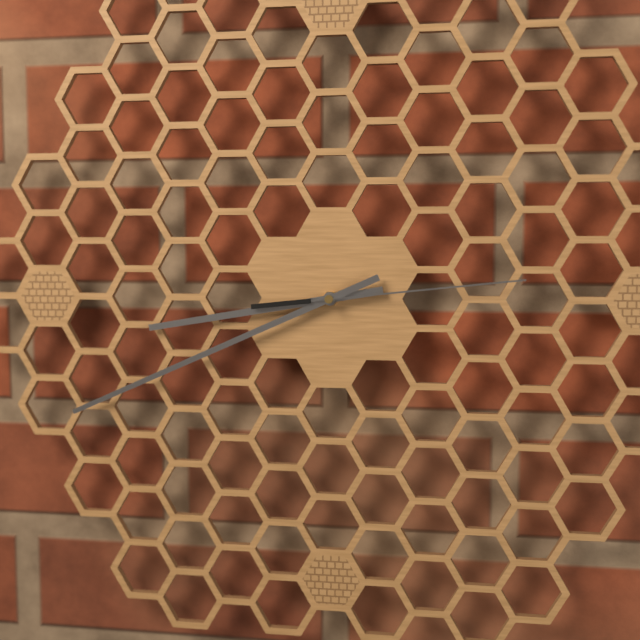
8.41.14
